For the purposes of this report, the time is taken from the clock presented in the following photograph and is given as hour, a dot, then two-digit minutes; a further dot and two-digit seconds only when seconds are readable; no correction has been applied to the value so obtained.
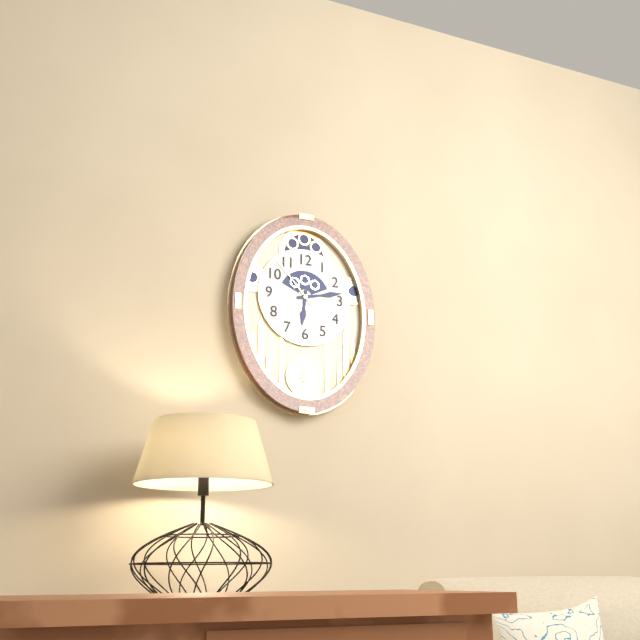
6.13.53
